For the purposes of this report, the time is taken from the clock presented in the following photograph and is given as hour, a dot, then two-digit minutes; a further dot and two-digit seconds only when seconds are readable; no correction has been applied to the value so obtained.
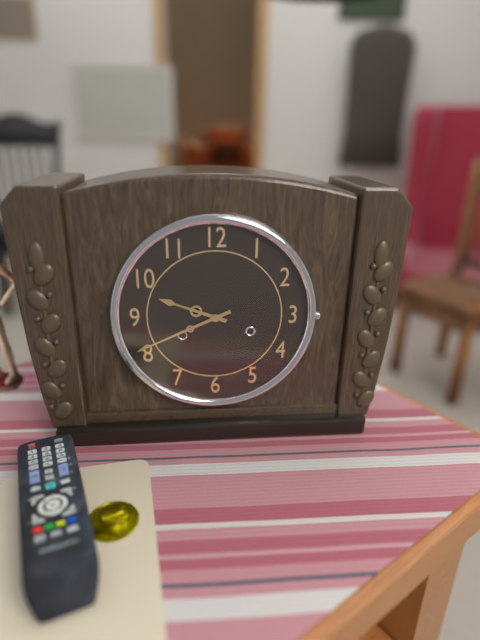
9.41
